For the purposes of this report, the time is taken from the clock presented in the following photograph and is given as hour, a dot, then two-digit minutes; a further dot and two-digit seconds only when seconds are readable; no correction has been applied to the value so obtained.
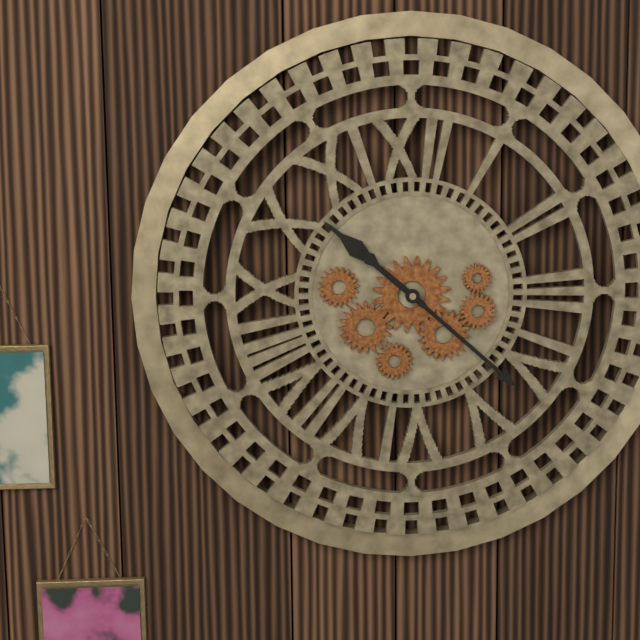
10.22
